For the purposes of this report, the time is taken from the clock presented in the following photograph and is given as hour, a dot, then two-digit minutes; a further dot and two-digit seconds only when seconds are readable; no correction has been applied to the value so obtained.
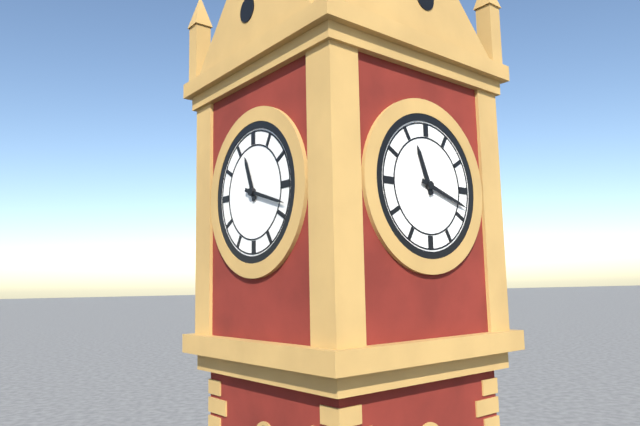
11.18
